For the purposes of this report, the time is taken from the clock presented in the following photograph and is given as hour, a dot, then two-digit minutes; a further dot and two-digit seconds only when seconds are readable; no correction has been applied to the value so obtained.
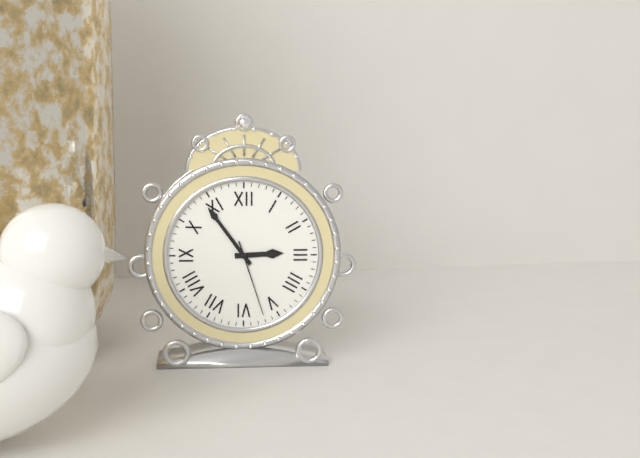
2.54.27
